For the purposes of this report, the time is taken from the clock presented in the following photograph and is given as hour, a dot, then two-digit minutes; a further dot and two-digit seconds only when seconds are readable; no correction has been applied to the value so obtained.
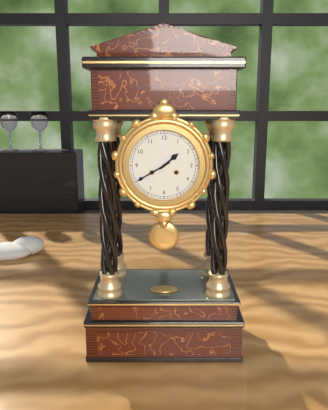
1.40
